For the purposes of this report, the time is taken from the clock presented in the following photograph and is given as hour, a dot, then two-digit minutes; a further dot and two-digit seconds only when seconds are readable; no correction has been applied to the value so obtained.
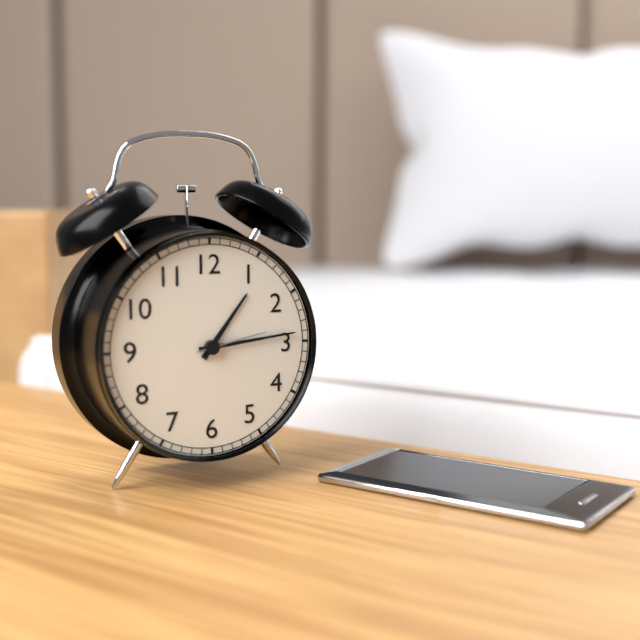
1.14.13
